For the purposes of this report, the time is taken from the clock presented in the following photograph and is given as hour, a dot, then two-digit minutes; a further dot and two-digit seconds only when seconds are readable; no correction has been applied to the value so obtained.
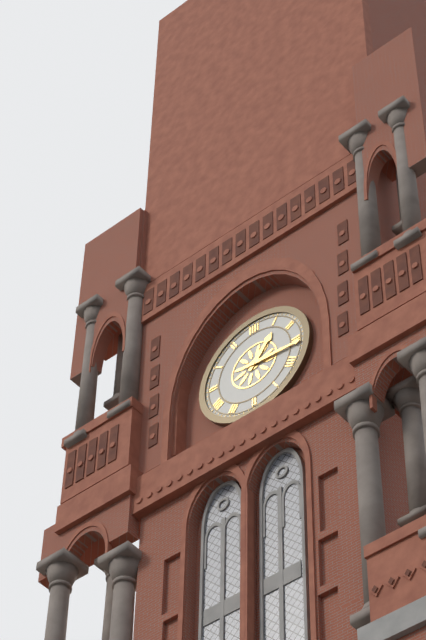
1.16
